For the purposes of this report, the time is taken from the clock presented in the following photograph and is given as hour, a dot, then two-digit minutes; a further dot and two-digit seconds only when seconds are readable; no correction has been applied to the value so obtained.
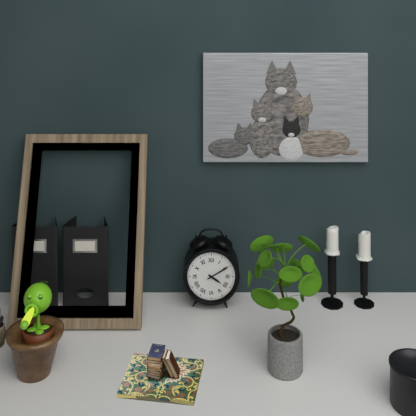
4.10
